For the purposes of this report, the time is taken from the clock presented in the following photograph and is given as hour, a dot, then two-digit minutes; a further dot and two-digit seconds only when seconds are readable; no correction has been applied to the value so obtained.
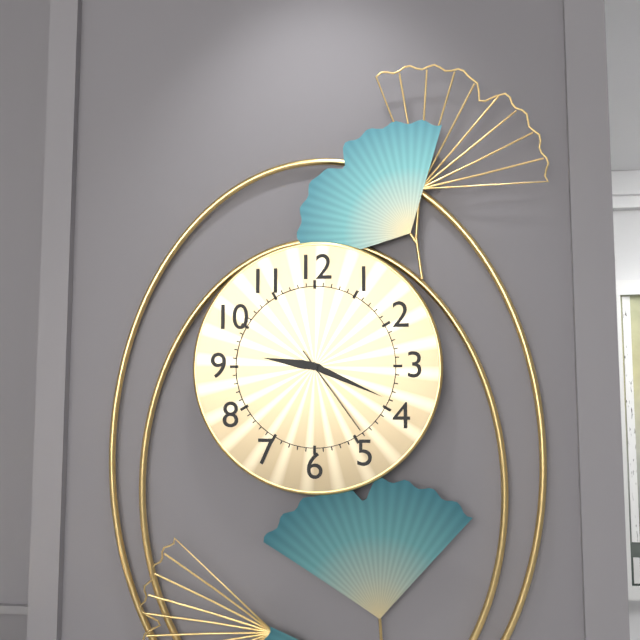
9.19.24
